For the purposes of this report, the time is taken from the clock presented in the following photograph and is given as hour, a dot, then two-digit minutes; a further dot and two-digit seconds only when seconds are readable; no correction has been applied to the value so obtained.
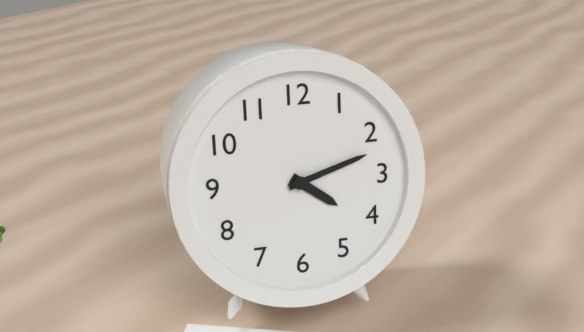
4.12
